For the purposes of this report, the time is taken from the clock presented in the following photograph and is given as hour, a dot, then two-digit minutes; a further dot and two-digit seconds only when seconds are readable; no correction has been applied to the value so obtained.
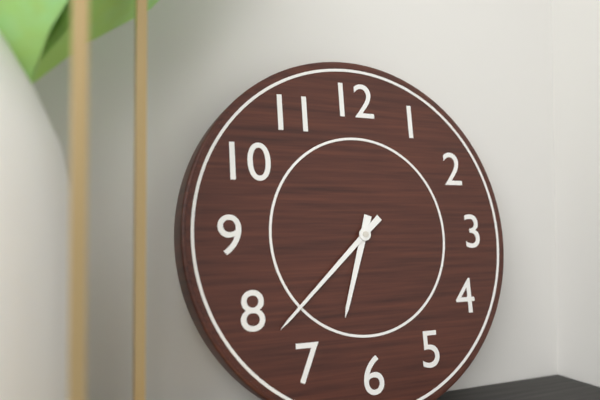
6.38
